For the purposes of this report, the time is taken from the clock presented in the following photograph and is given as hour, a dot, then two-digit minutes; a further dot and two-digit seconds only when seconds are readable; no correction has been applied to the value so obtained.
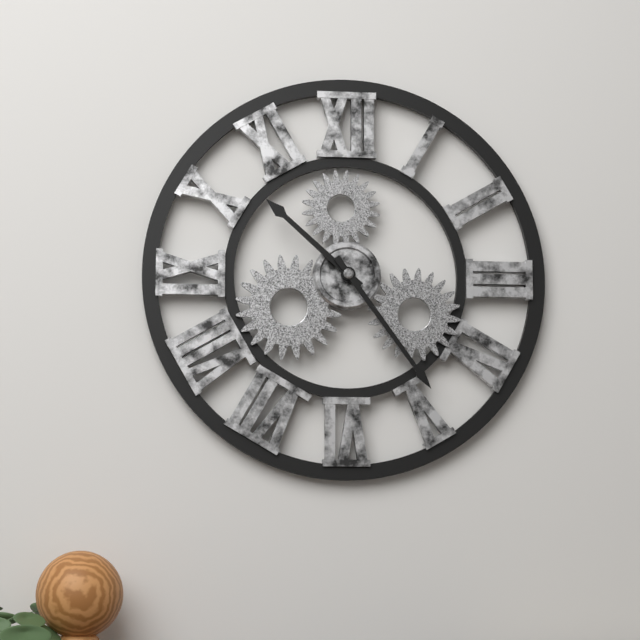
10.24
